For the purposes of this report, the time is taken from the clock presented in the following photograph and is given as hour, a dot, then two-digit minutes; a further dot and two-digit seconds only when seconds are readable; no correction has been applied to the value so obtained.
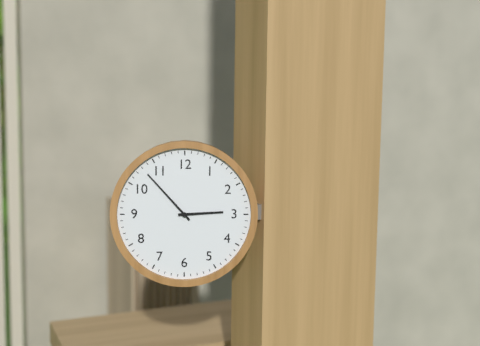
2.53
